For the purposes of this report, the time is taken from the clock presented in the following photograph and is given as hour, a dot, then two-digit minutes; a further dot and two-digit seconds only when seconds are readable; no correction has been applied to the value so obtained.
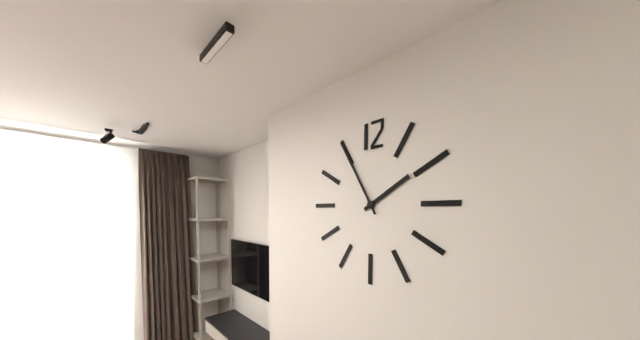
1.55
